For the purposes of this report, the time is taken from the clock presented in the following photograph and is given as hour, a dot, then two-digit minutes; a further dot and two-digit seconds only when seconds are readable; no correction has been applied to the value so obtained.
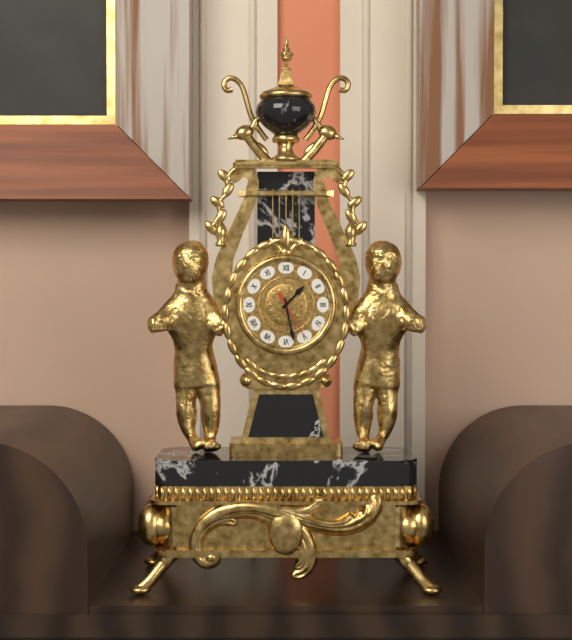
1.28
